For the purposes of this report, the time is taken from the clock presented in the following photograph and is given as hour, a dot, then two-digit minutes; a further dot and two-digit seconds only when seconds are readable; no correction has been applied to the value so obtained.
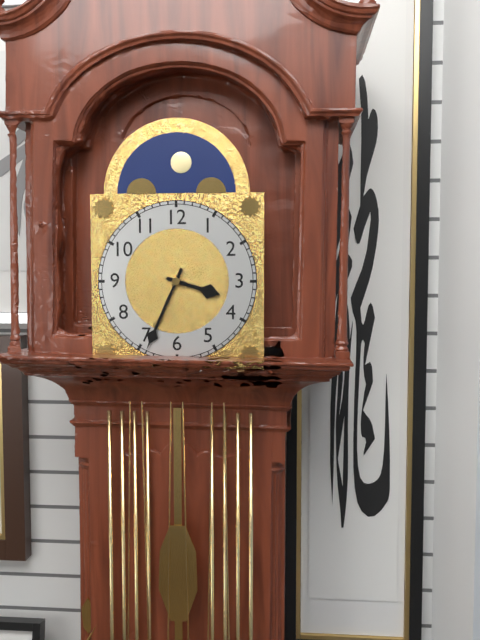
3.34
